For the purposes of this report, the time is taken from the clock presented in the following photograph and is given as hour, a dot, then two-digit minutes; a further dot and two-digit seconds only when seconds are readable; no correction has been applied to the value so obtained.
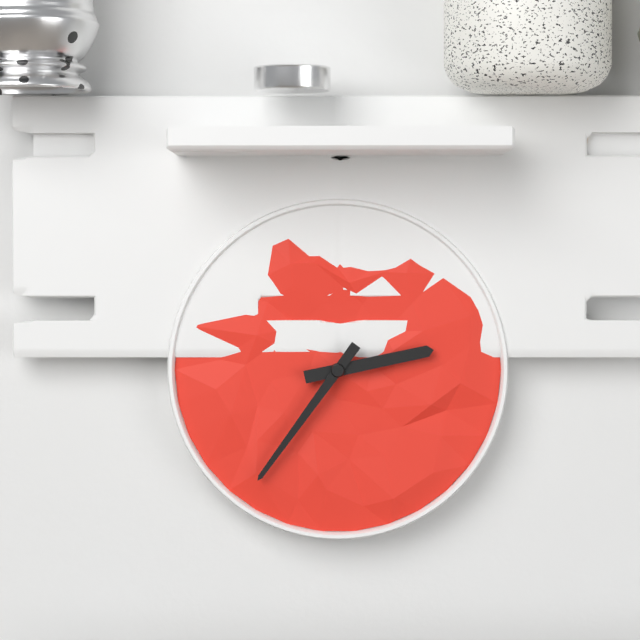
2.36
